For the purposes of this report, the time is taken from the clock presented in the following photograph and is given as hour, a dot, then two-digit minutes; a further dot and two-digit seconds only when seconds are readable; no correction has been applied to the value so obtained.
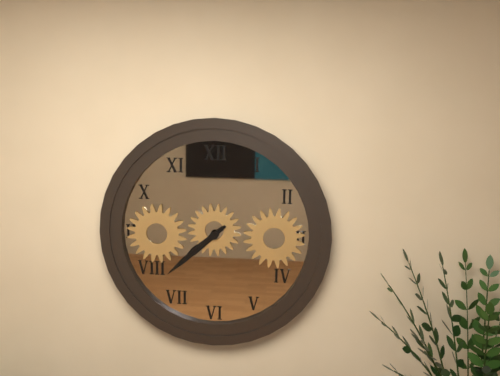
7.38
